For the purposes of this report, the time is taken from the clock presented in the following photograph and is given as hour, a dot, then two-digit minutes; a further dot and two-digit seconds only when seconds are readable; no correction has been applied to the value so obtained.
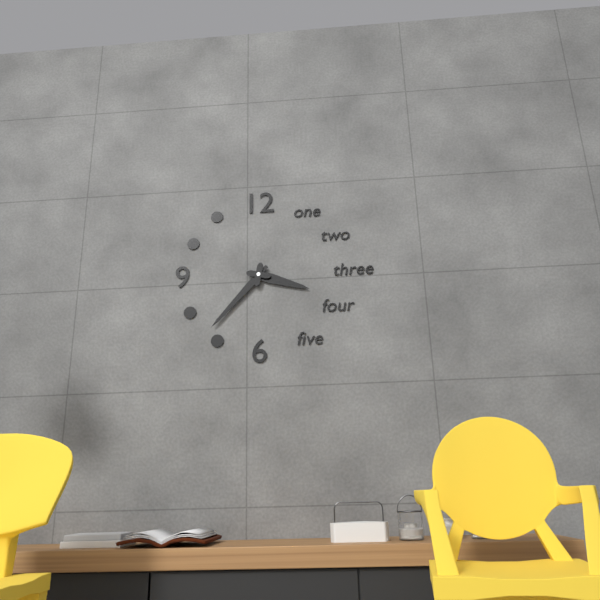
3.37
